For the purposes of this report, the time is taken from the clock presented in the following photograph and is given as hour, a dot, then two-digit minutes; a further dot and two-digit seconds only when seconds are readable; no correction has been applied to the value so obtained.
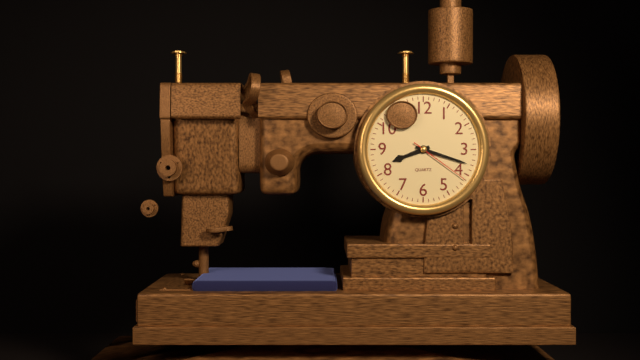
8.18.21
